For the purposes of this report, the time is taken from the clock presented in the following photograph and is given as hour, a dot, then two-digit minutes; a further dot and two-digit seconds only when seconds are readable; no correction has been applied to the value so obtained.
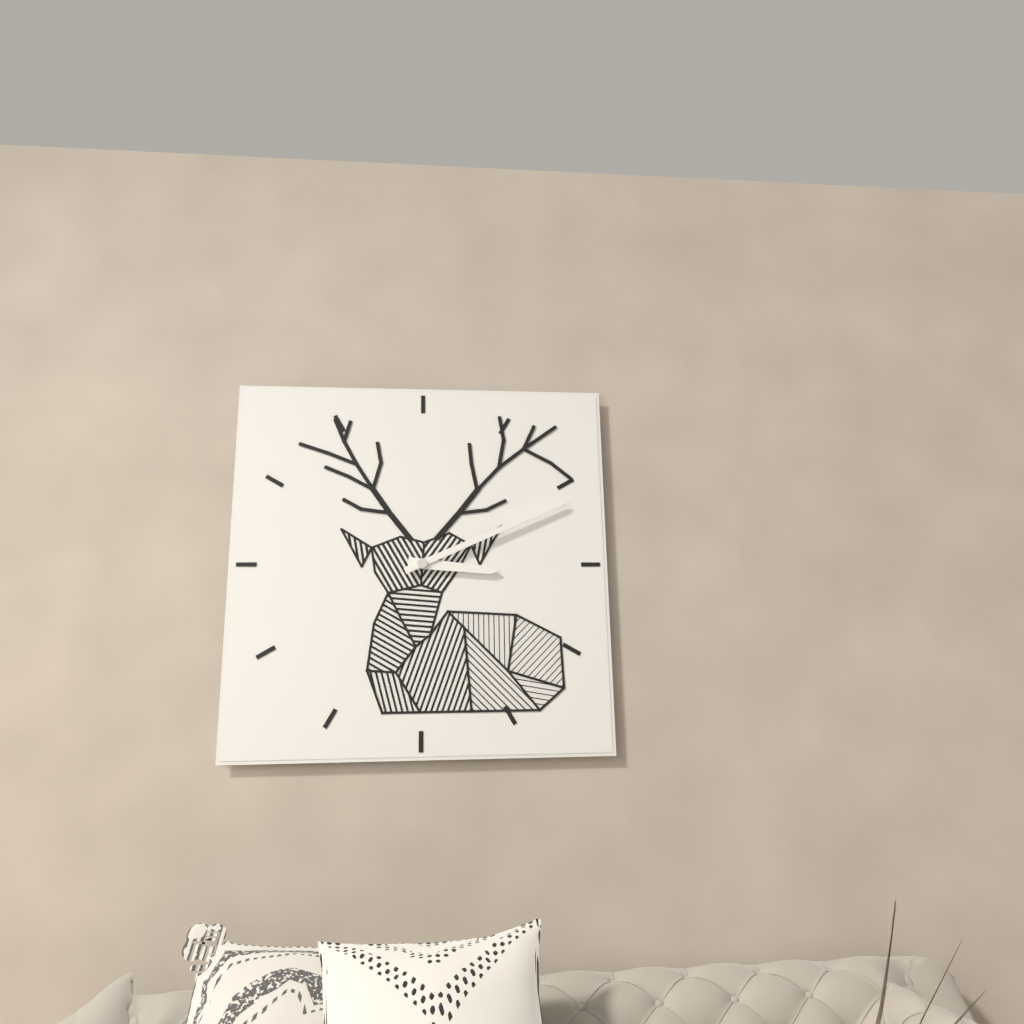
3.11
